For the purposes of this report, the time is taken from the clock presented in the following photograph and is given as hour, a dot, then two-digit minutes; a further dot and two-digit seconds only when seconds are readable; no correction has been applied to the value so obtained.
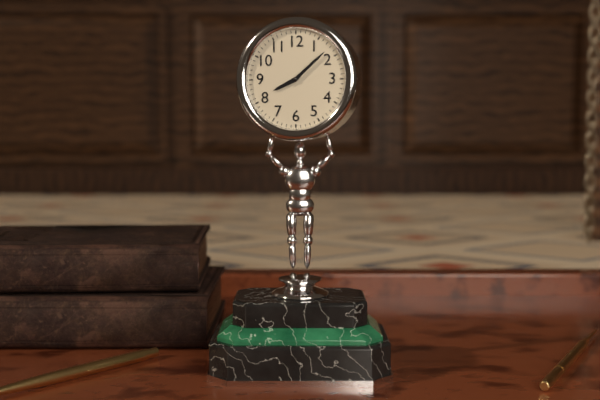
8.08
